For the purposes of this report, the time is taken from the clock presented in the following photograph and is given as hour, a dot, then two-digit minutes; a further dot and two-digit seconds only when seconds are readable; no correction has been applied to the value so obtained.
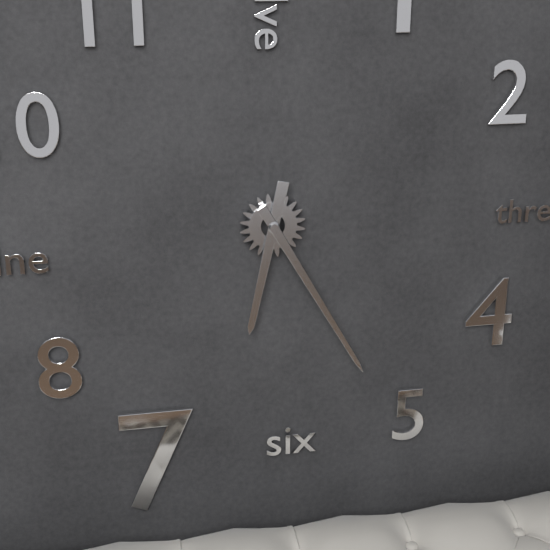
6.25
